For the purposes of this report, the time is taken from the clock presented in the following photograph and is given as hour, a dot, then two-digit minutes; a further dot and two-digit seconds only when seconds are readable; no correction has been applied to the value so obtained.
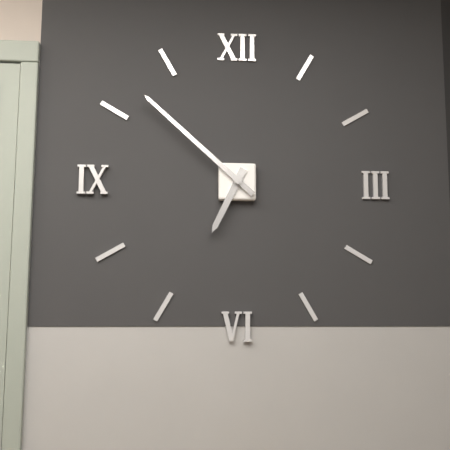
6.52
